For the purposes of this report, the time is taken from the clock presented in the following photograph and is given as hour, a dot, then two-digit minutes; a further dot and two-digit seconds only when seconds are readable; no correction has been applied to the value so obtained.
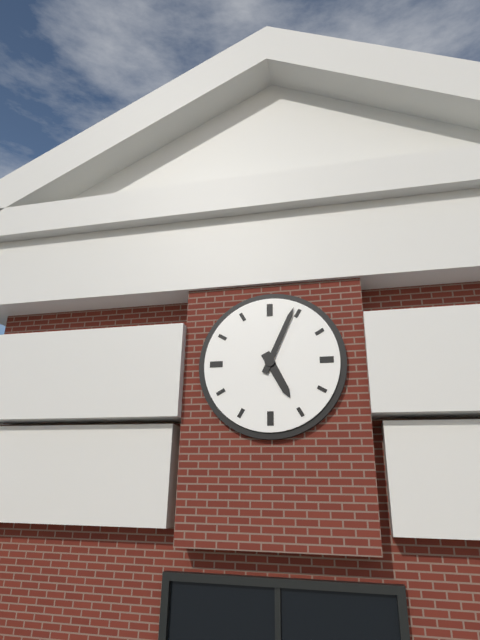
5.04
